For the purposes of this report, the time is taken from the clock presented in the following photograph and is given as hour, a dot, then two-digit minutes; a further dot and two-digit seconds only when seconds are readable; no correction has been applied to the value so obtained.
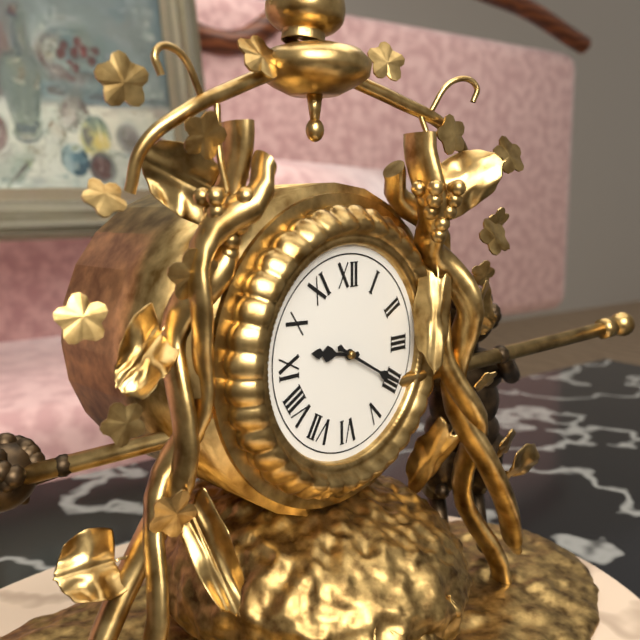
9.20
